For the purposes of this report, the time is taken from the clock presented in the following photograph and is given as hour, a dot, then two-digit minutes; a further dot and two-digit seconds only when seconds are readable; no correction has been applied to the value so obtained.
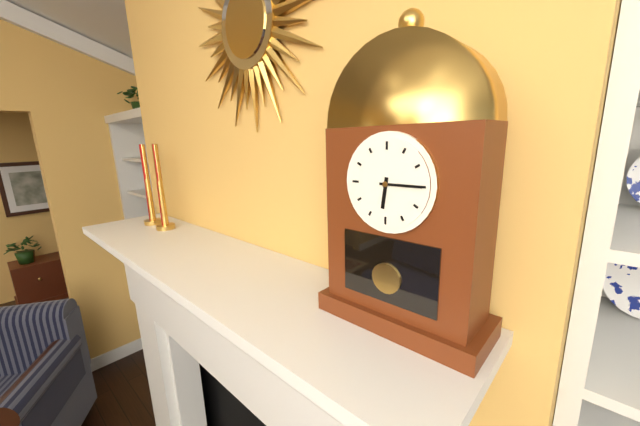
6.15
